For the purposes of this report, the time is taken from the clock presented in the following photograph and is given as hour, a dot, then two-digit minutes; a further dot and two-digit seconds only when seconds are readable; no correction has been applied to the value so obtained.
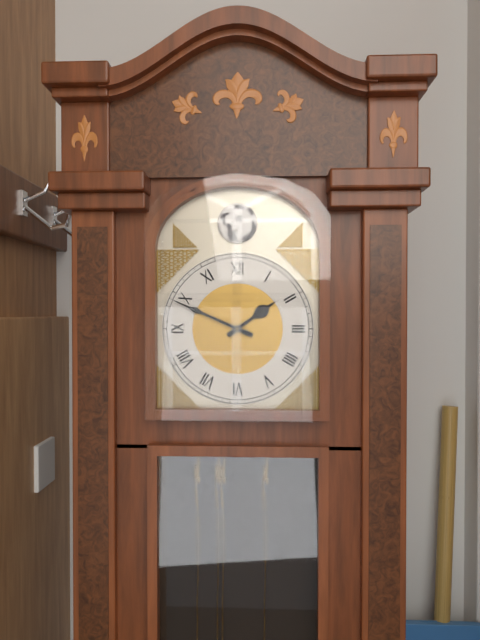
1.49
